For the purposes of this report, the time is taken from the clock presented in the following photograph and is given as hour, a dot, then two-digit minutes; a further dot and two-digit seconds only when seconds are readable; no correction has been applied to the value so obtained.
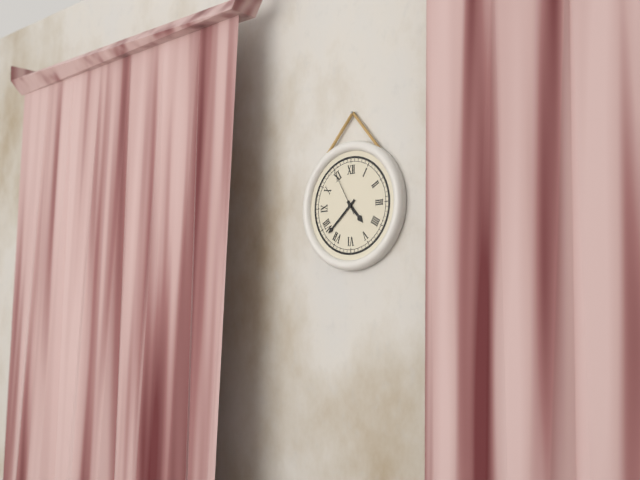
4.38.55
